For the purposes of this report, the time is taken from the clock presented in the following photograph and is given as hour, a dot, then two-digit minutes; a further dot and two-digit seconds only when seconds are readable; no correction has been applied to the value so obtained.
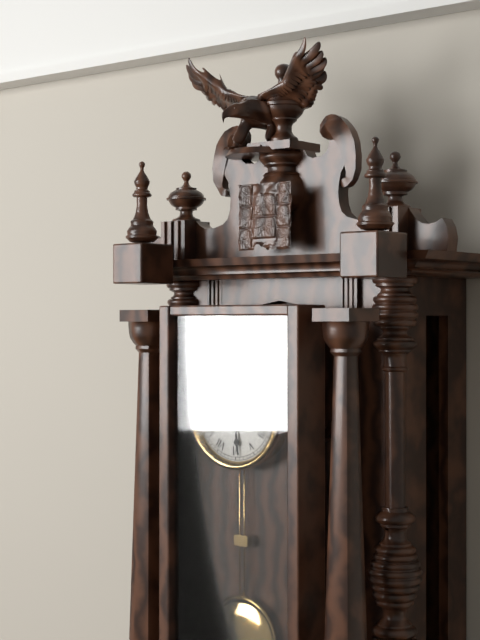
9.29
